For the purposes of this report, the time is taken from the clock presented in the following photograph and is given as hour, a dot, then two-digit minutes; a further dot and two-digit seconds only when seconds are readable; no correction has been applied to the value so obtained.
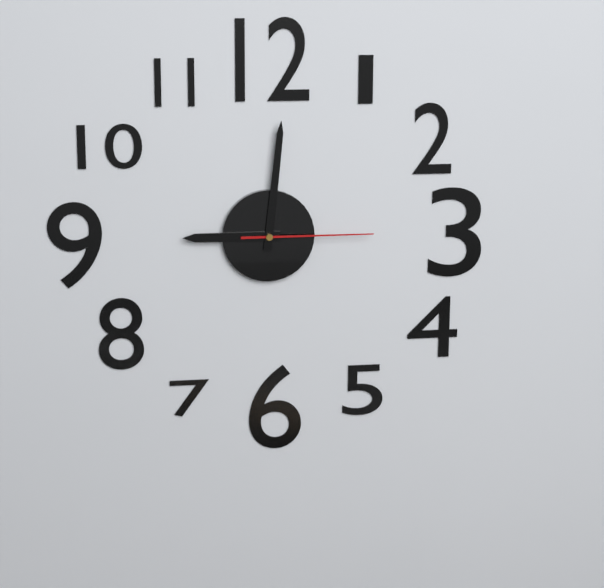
9.01.15
